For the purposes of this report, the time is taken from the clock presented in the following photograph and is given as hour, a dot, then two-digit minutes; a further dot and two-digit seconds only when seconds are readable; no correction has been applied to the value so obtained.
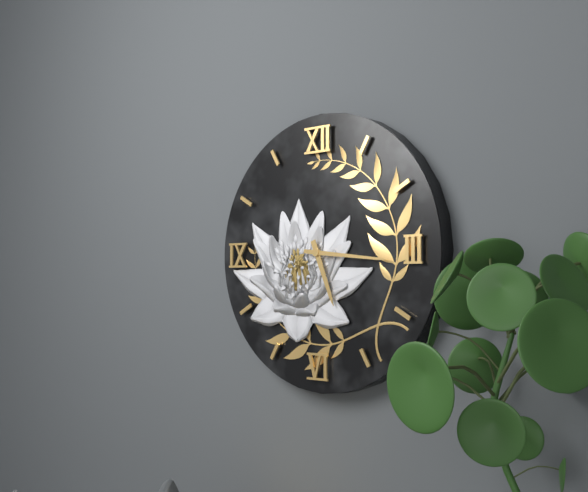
5.16
